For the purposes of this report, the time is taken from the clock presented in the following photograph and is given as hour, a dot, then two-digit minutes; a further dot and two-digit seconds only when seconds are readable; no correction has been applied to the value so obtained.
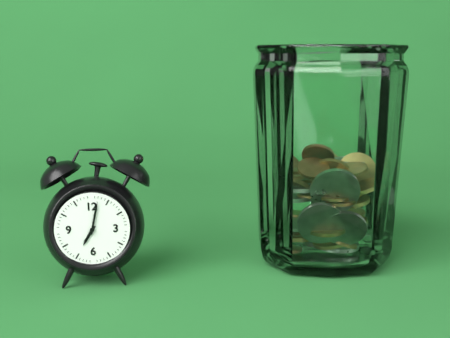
7.02
